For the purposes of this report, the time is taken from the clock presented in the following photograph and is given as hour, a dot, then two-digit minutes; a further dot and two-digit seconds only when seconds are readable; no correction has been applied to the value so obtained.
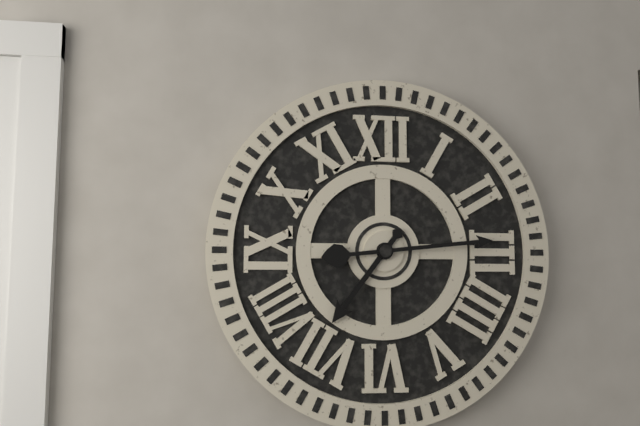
7.14
